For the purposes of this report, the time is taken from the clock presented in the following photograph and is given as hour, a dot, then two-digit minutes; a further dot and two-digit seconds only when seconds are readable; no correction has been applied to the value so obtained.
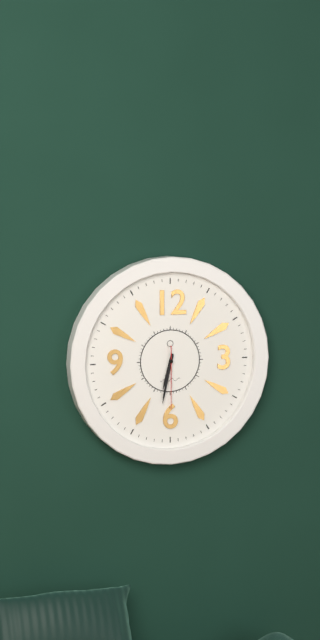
6.32.30
